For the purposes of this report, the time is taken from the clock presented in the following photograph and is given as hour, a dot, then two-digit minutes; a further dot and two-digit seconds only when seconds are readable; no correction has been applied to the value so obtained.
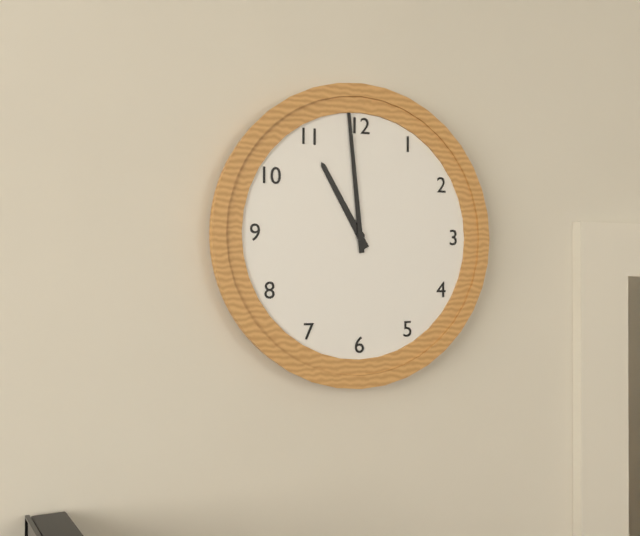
10.59
